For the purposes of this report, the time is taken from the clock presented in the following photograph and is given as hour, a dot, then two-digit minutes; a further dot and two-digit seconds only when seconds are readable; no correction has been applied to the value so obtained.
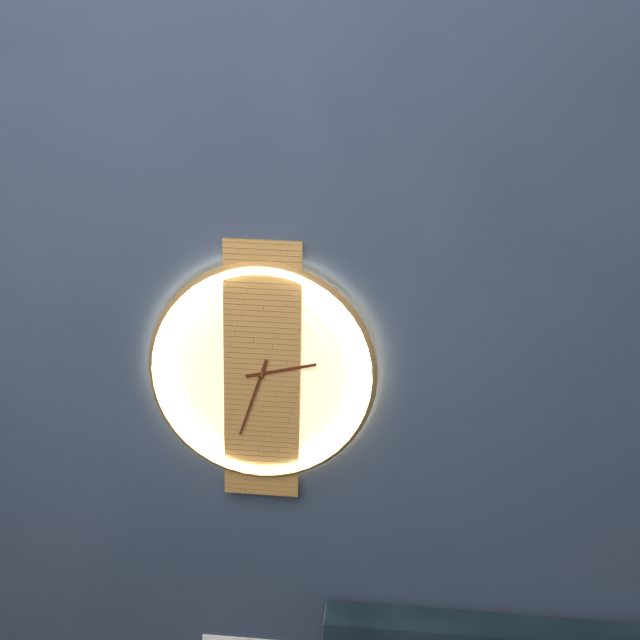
2.33
